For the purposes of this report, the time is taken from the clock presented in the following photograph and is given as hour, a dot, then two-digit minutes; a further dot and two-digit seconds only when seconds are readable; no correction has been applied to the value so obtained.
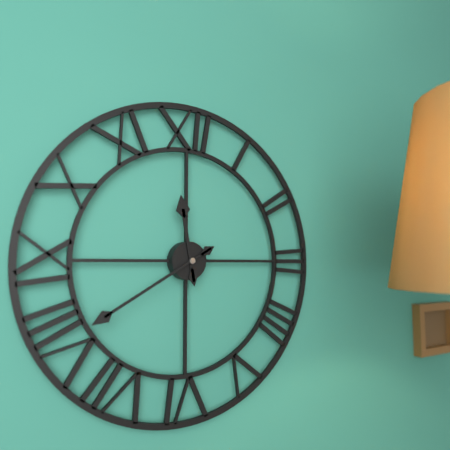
11.40
